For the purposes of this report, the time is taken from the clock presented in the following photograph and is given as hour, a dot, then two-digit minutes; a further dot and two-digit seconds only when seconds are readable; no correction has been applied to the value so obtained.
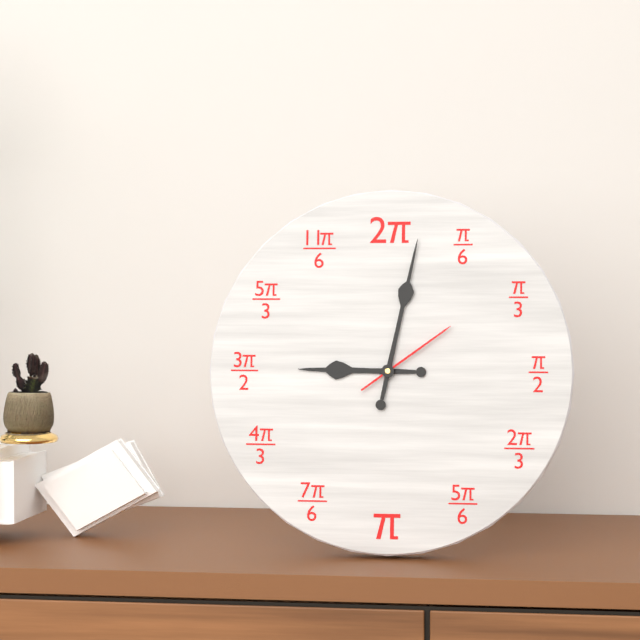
9.02.09
